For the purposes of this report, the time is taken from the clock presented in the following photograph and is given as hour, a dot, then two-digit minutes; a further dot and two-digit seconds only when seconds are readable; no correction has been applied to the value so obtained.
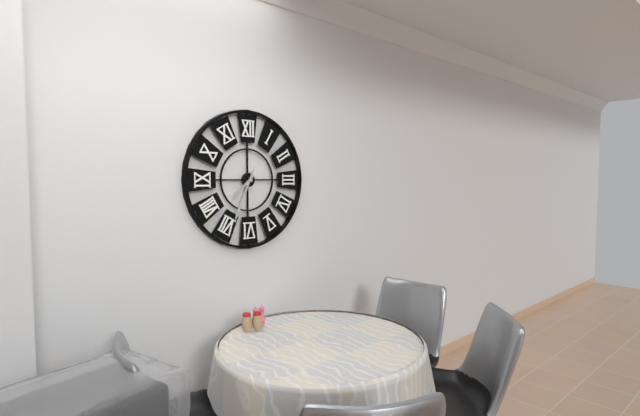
7.34.34
